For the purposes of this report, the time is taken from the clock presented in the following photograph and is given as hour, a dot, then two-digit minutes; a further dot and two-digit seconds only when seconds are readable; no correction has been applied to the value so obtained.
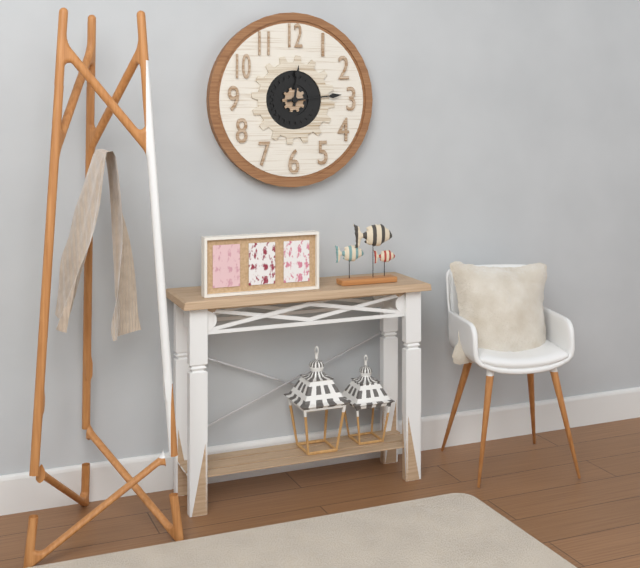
12.14
